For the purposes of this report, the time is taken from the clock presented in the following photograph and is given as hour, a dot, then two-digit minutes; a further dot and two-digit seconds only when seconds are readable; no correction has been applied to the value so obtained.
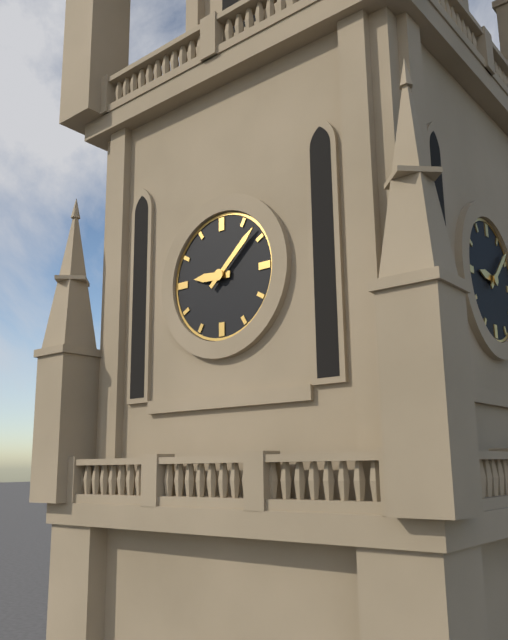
9.08
